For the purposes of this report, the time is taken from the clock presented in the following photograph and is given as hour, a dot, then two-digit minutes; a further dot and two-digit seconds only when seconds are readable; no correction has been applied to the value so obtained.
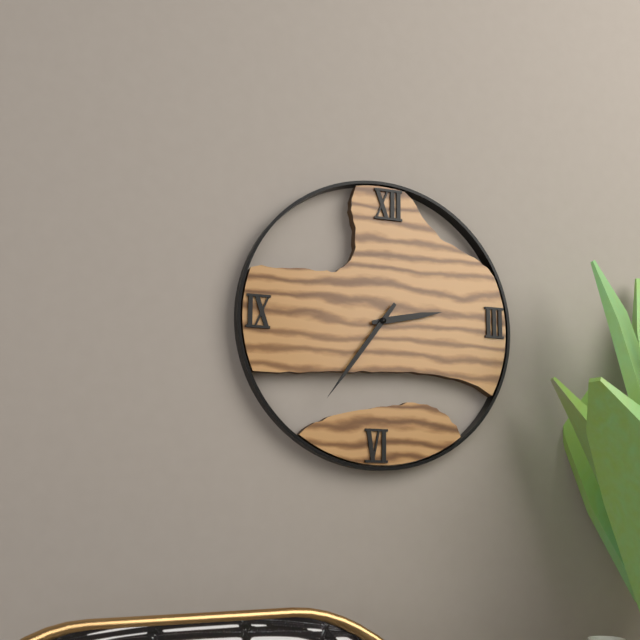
2.36
